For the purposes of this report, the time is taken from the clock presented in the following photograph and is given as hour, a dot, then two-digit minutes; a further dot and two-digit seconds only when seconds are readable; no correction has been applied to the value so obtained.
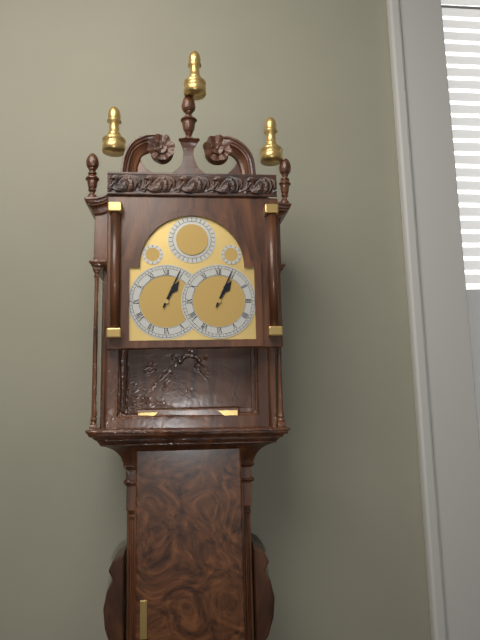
1.04
